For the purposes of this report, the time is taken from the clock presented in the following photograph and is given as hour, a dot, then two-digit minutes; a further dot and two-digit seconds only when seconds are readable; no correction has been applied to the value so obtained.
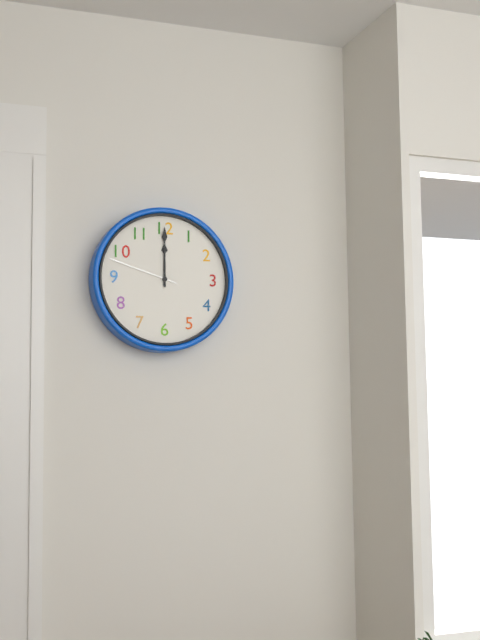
12.00.48
